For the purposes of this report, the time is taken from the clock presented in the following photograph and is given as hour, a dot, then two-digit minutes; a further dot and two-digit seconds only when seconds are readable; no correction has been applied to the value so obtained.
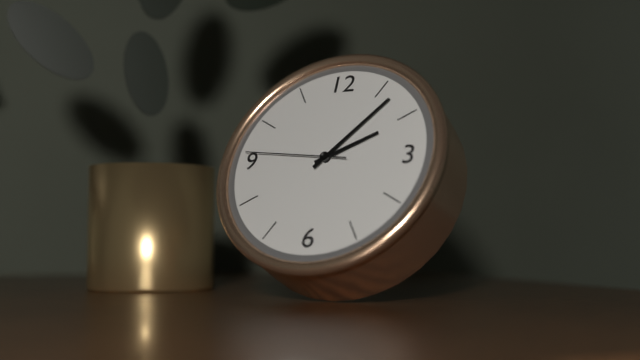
2.07.46
